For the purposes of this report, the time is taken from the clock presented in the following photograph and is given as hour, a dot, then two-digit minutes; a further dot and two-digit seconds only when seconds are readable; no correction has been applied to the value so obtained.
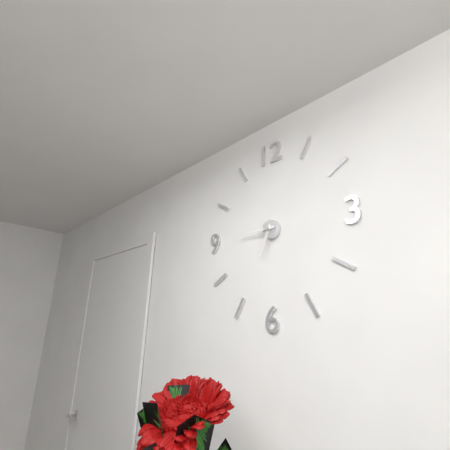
6.45
